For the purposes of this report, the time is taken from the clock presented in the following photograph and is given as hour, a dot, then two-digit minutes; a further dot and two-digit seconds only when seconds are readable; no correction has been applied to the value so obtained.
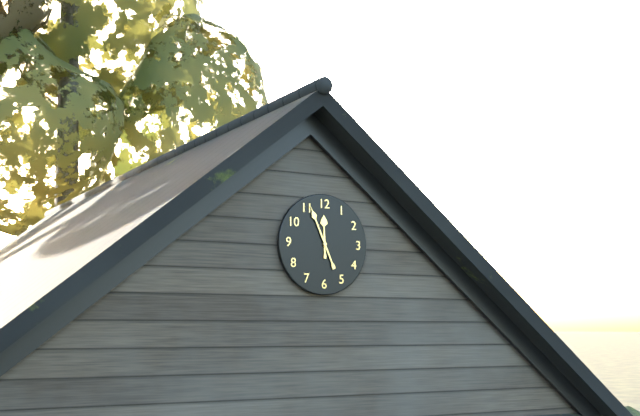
11.56
